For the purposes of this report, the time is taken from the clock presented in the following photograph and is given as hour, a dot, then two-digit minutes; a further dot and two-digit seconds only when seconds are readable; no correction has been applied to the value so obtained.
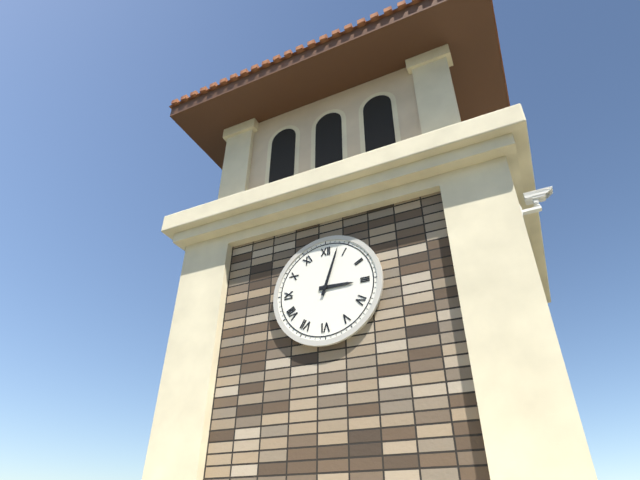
3.03
